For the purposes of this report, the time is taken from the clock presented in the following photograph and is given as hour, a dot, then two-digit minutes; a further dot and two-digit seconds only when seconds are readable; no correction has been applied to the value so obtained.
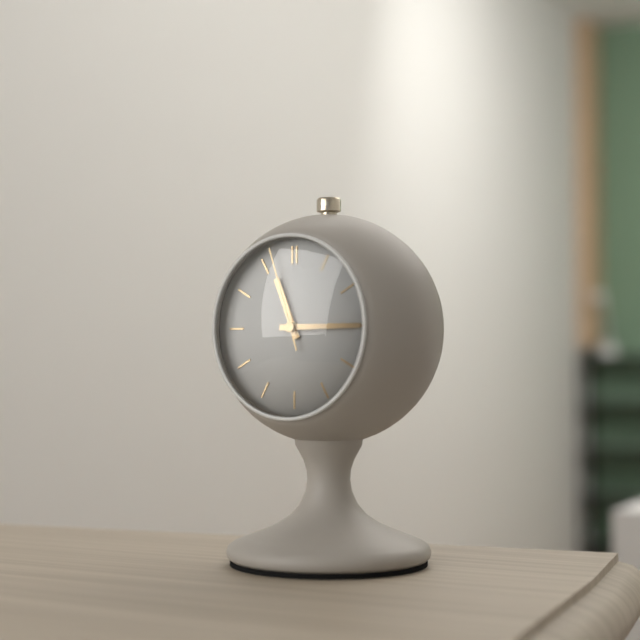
11.15.57
